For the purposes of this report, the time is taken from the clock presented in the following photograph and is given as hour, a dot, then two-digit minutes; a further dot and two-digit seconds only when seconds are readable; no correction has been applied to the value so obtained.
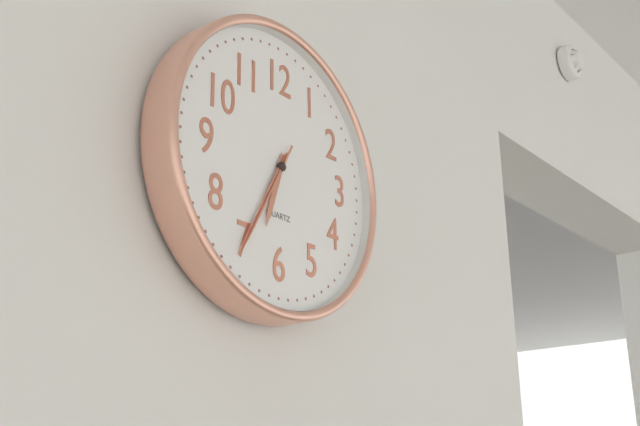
6.35.35
